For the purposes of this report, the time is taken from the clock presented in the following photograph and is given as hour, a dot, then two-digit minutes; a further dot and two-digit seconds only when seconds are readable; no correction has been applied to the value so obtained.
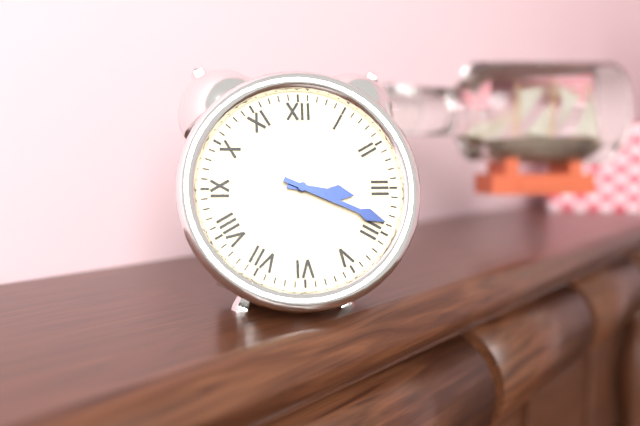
3.19
